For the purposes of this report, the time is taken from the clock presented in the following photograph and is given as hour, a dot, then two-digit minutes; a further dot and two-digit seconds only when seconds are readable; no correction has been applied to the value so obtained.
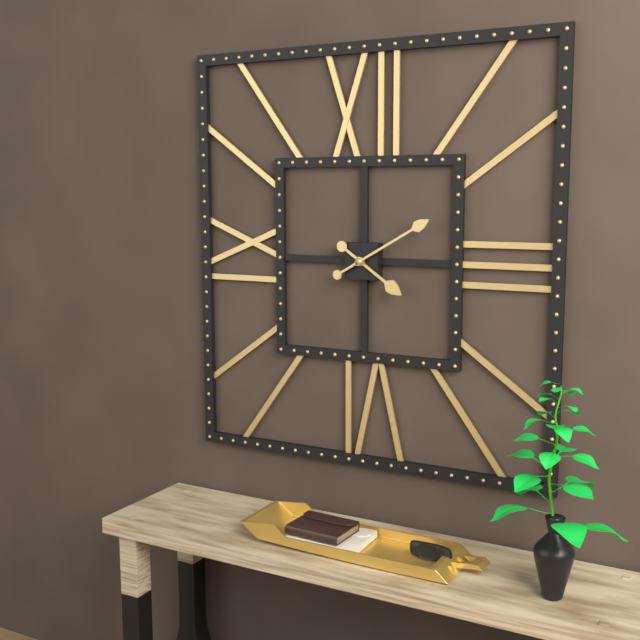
4.10
